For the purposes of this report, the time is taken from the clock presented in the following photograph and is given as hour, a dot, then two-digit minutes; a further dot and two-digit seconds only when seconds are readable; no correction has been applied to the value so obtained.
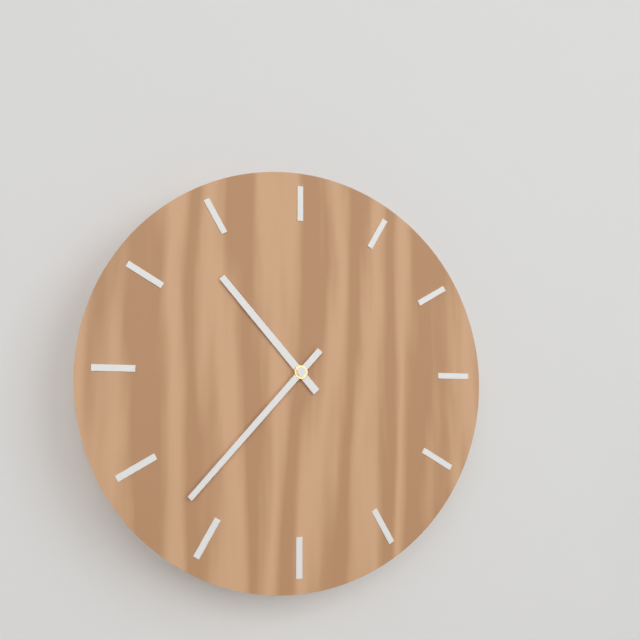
10.37
